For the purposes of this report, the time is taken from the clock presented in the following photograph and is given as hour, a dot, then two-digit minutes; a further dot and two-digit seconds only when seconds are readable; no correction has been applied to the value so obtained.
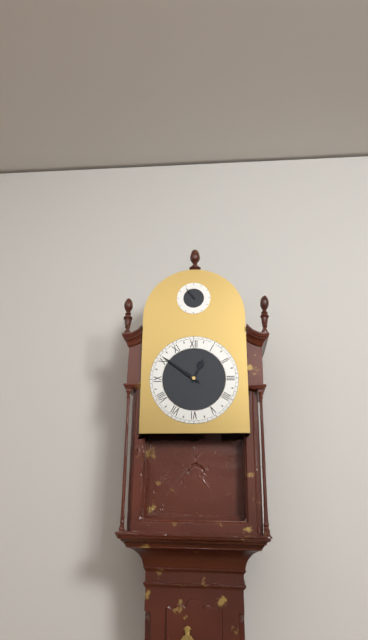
12.51
